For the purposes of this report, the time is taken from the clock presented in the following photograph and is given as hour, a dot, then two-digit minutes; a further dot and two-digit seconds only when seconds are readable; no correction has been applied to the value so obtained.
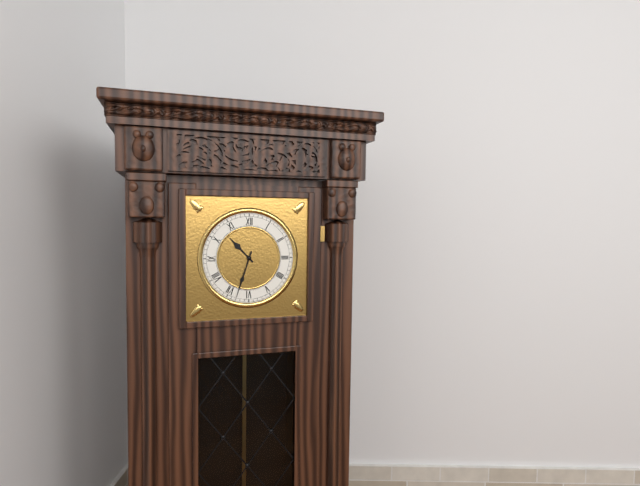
10.33
